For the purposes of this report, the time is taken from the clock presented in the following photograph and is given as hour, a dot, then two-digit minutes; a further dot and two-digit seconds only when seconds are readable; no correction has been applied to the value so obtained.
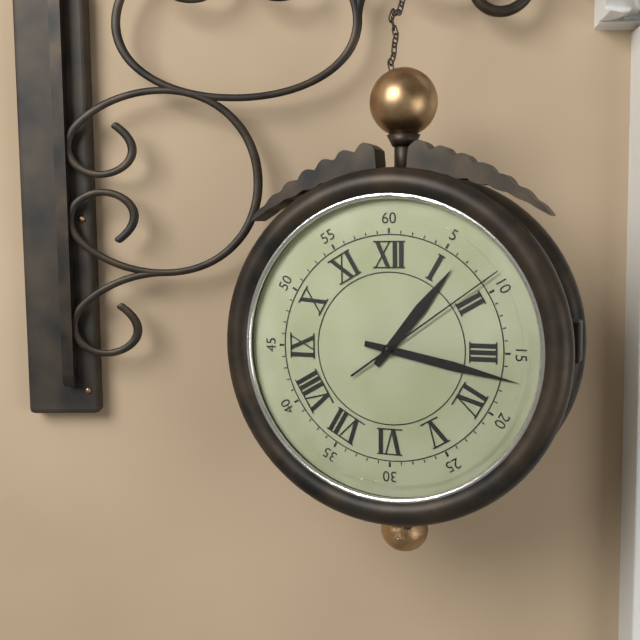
1.17.09
